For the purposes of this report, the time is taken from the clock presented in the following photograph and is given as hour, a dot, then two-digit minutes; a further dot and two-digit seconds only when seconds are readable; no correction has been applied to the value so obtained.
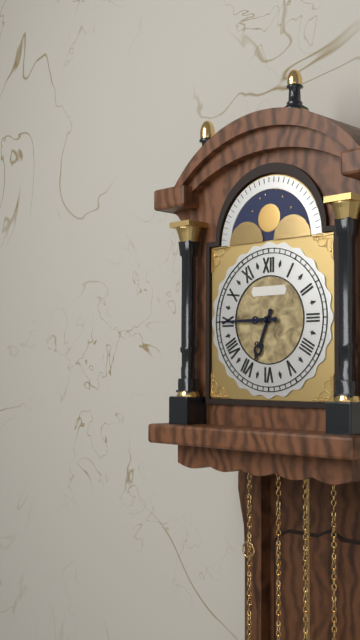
6.45
